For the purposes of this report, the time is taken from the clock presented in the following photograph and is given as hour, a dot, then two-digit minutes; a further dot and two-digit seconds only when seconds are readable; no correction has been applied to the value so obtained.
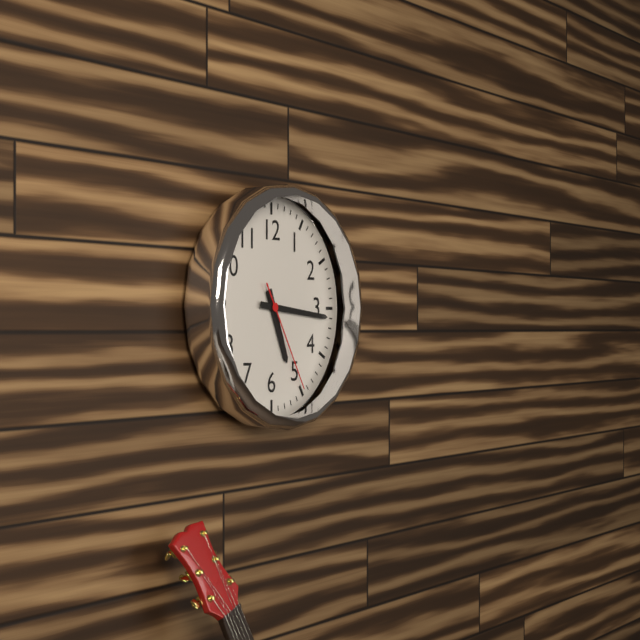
5.16.25
